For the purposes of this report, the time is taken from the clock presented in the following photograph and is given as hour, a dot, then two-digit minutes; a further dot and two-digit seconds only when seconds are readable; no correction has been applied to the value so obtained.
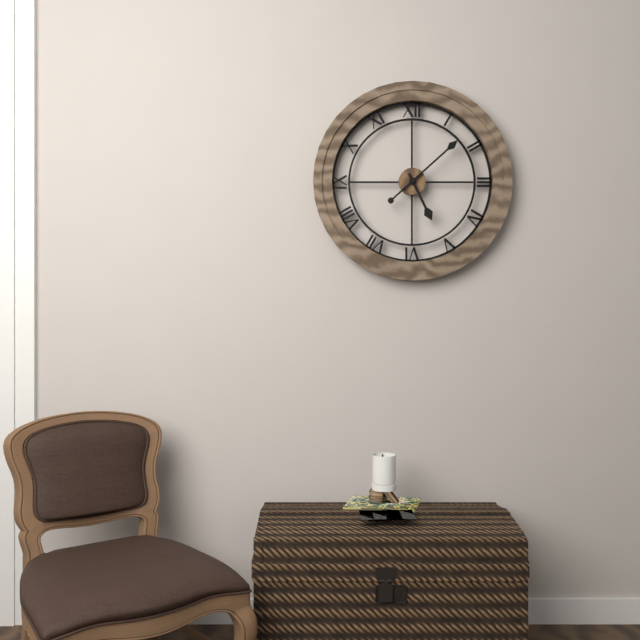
5.08
